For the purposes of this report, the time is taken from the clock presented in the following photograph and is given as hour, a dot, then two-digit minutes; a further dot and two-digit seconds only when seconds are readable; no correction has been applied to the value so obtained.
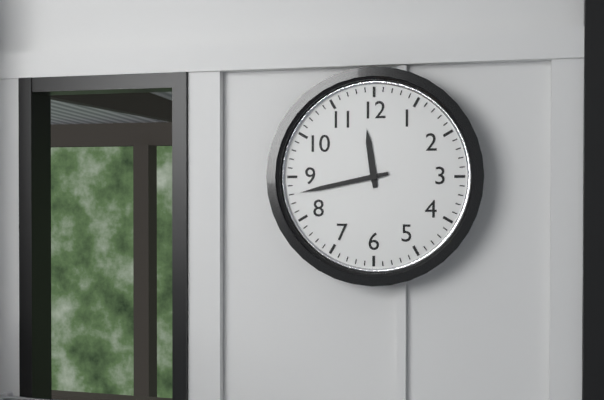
11.43
